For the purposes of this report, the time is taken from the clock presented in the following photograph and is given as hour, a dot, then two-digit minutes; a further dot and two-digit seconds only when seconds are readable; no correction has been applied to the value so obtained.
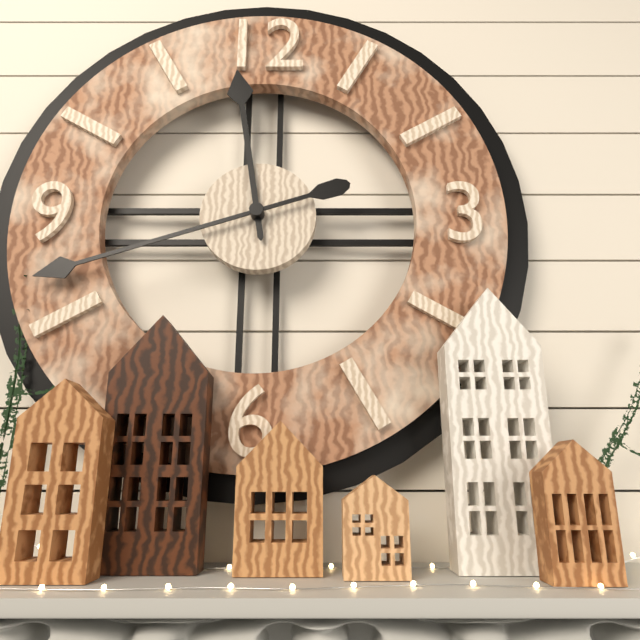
11.42
